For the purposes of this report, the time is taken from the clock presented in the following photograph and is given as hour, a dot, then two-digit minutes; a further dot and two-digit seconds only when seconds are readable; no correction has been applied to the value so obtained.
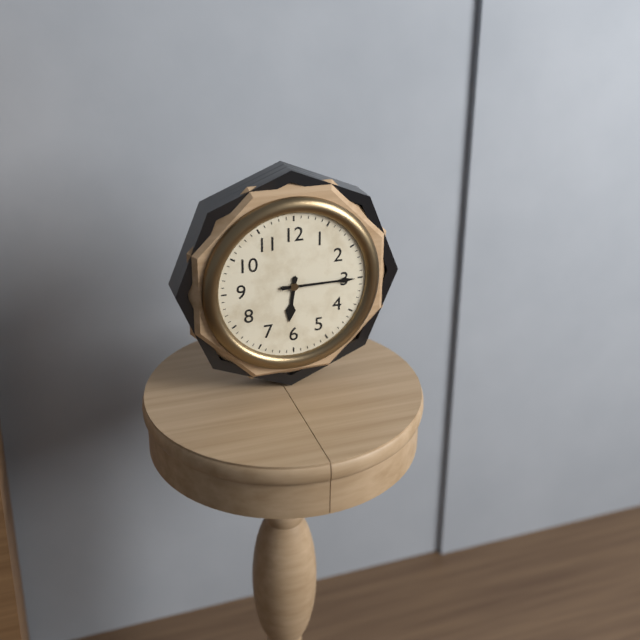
6.15
